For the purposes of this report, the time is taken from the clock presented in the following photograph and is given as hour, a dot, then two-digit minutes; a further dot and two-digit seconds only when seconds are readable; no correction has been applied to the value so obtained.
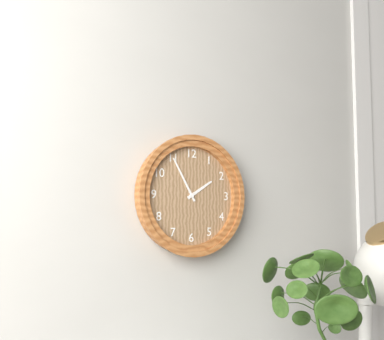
1.55
